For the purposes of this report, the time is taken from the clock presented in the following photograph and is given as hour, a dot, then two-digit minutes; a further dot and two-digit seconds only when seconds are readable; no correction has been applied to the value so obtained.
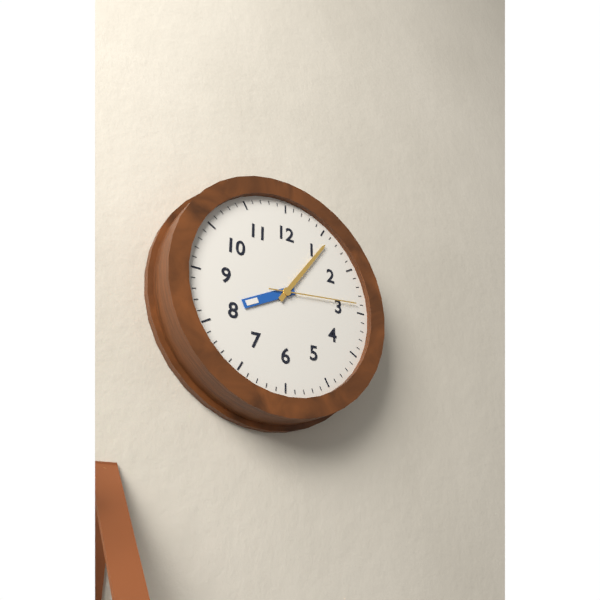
8.06.14
